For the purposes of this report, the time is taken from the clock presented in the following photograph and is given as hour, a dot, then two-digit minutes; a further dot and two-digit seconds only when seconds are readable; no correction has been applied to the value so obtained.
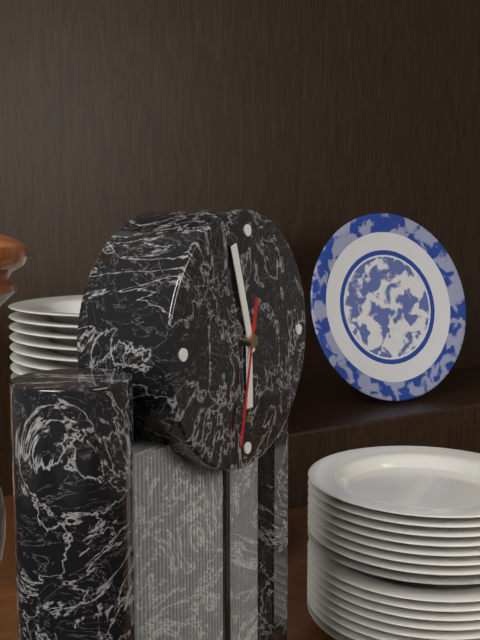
5.57.32
